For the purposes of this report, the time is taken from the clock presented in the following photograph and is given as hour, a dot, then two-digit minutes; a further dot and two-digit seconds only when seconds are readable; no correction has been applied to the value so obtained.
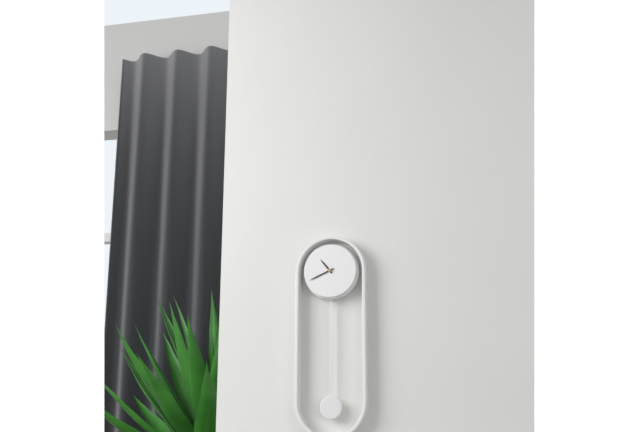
10.41
